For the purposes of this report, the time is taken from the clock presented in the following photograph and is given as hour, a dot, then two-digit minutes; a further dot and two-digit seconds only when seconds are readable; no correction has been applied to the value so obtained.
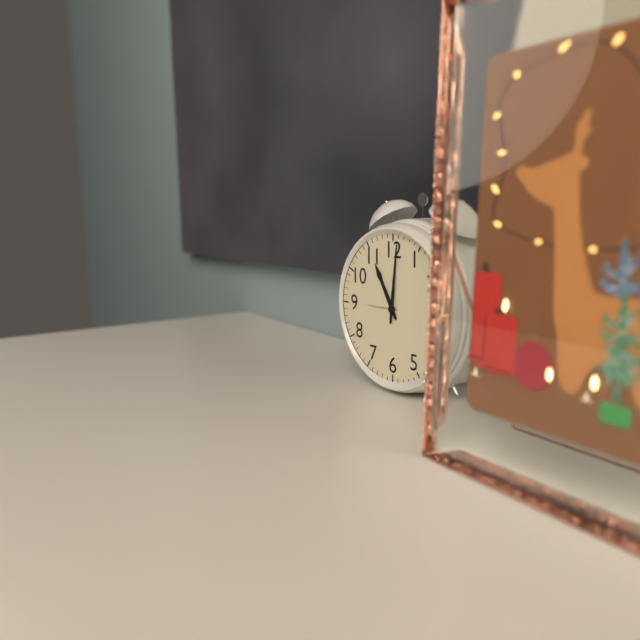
11.01
